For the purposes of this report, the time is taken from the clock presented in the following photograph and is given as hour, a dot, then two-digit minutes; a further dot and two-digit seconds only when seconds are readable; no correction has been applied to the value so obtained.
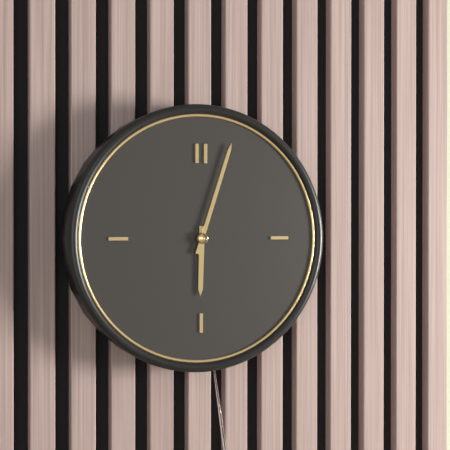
6.03
